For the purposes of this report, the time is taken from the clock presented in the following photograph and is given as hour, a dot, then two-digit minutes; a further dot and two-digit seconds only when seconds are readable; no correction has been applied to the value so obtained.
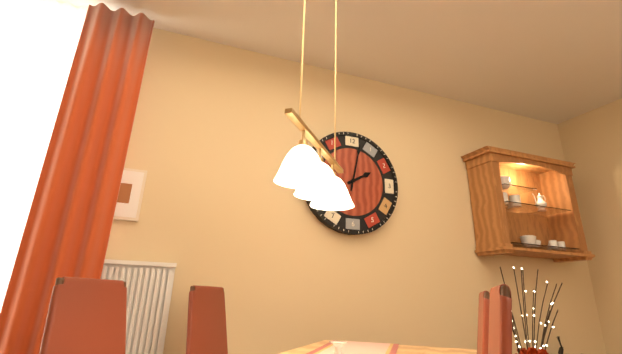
2.02
